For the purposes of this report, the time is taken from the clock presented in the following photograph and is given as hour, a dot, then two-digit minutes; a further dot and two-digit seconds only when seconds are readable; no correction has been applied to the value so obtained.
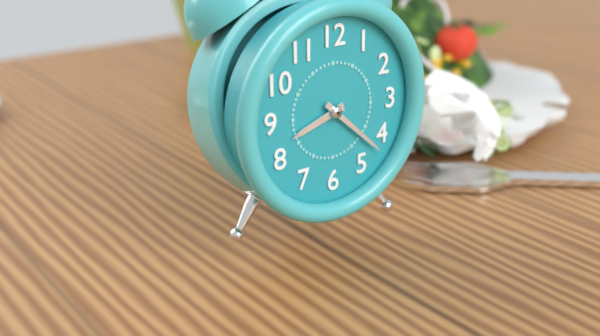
8.22
